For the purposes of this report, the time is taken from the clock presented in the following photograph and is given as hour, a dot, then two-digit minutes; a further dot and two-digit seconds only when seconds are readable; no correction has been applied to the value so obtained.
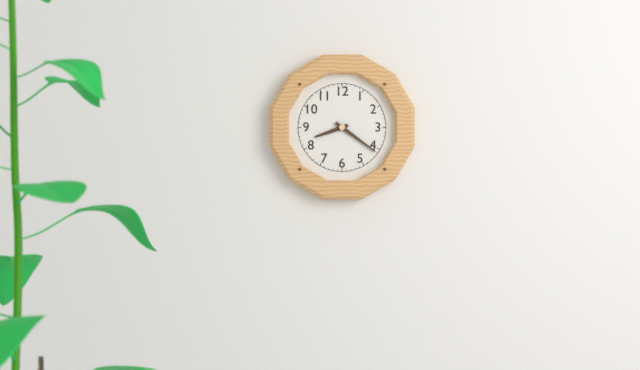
8.21
